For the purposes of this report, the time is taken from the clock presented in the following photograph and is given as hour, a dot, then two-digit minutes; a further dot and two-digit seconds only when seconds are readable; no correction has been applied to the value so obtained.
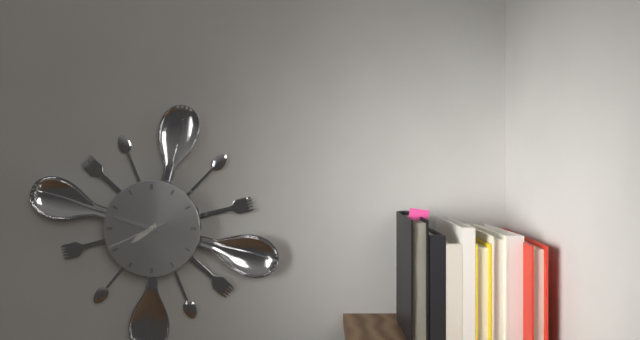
7.48.41
